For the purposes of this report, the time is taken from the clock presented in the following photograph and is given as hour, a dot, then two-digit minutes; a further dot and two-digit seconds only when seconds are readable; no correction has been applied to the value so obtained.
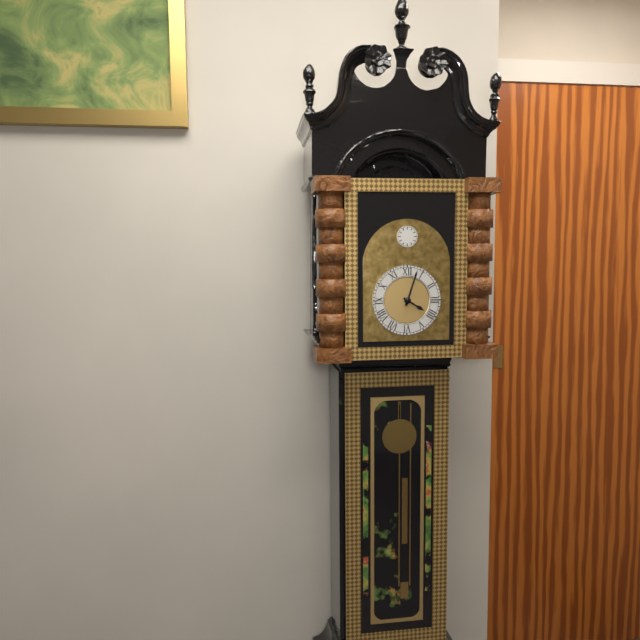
4.03
